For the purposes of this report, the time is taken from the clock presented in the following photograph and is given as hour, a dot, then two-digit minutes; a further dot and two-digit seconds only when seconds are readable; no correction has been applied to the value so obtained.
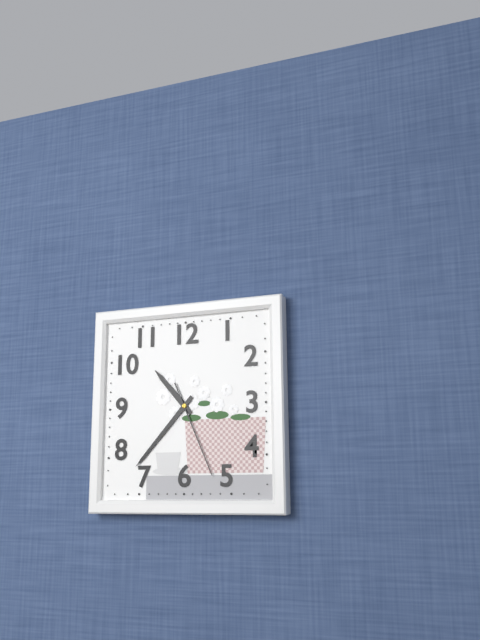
10.37.26
